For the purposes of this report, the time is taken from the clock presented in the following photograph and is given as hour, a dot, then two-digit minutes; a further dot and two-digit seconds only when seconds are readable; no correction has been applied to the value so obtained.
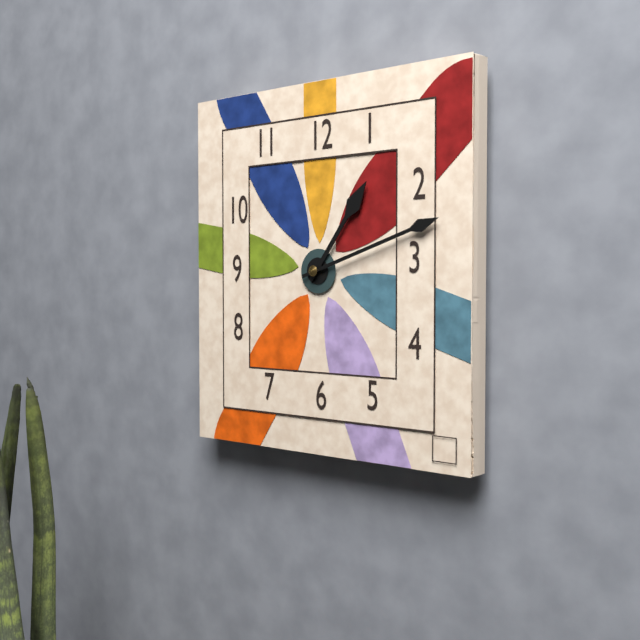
1.12
